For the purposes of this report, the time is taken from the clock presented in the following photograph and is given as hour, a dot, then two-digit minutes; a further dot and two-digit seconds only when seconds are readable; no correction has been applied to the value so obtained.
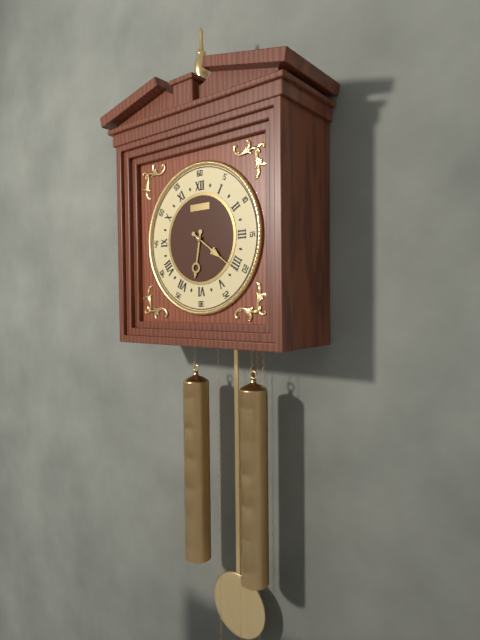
6.21
